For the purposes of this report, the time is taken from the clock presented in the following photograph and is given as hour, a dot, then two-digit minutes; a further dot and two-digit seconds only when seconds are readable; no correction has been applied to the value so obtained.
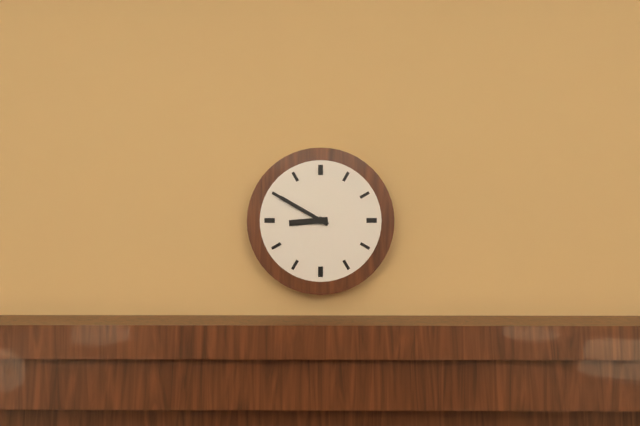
8.50
